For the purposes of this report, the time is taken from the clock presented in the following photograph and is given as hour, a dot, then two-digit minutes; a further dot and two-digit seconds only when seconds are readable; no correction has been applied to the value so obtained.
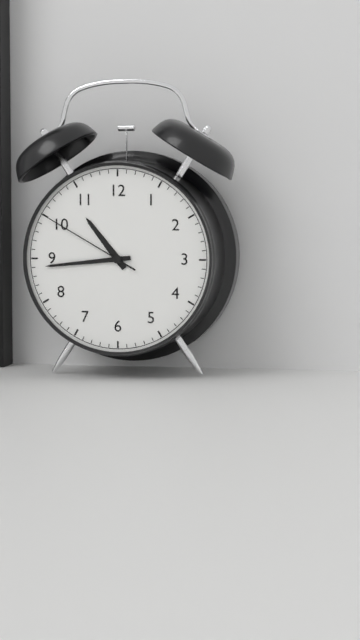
10.44.50
